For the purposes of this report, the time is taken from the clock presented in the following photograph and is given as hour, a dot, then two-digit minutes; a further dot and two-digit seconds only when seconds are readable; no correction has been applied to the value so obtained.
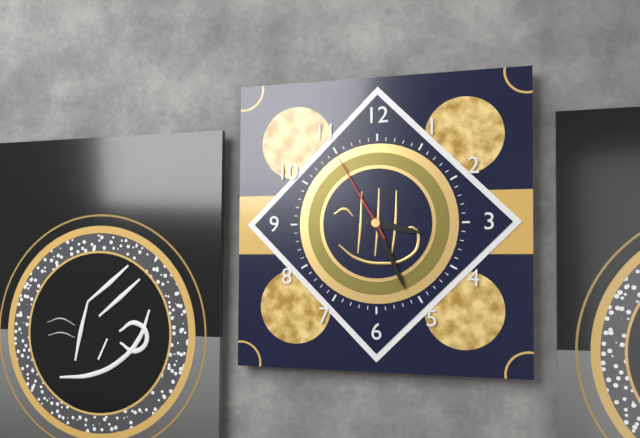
3.26.55
